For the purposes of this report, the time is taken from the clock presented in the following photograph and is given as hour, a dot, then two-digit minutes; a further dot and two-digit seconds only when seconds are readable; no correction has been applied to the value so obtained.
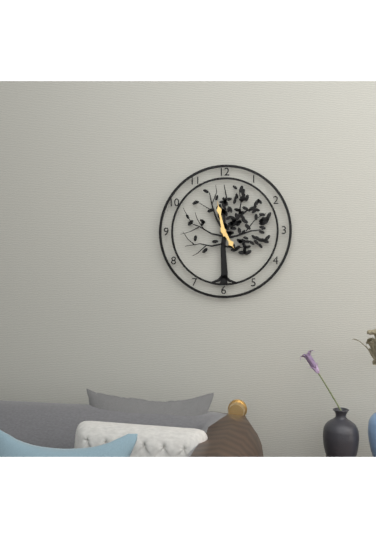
4.58
